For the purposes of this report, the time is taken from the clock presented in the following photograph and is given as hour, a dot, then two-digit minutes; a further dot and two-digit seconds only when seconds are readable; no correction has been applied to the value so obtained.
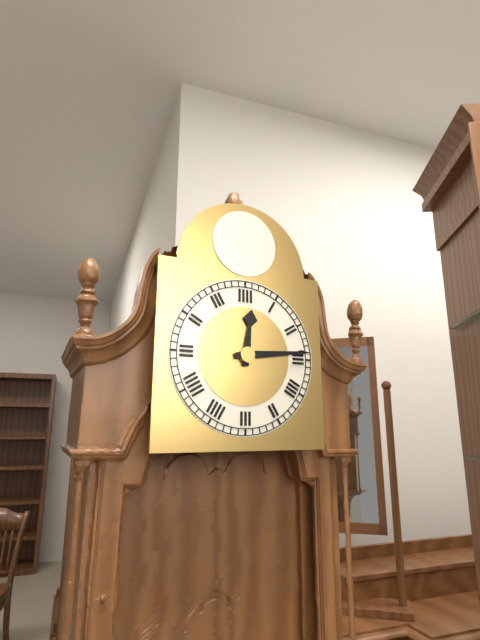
12.14
